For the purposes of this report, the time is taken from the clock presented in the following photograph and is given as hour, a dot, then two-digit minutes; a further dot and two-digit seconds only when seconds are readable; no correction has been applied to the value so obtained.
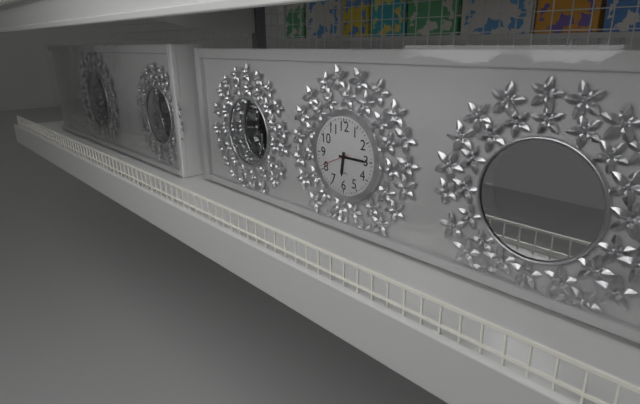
6.15
